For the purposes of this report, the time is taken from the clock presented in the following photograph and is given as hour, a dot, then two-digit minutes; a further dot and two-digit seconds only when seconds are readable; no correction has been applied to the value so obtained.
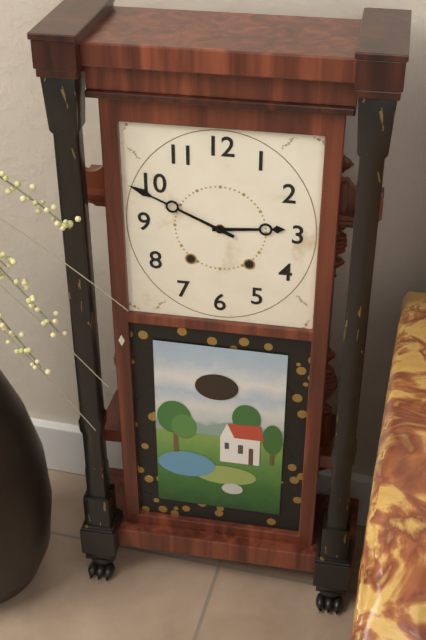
2.49
